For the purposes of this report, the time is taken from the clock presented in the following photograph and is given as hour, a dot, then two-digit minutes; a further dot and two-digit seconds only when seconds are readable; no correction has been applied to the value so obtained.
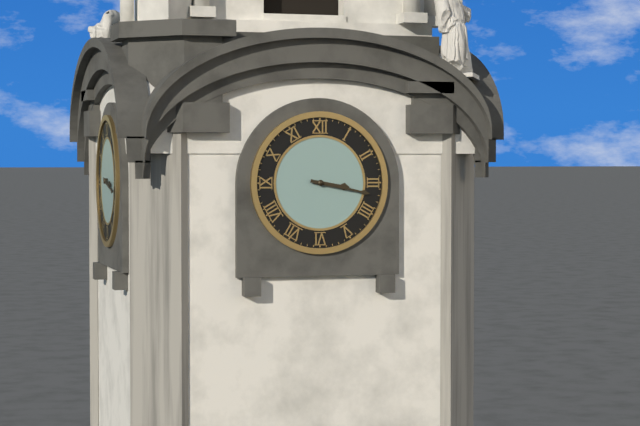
3.17
